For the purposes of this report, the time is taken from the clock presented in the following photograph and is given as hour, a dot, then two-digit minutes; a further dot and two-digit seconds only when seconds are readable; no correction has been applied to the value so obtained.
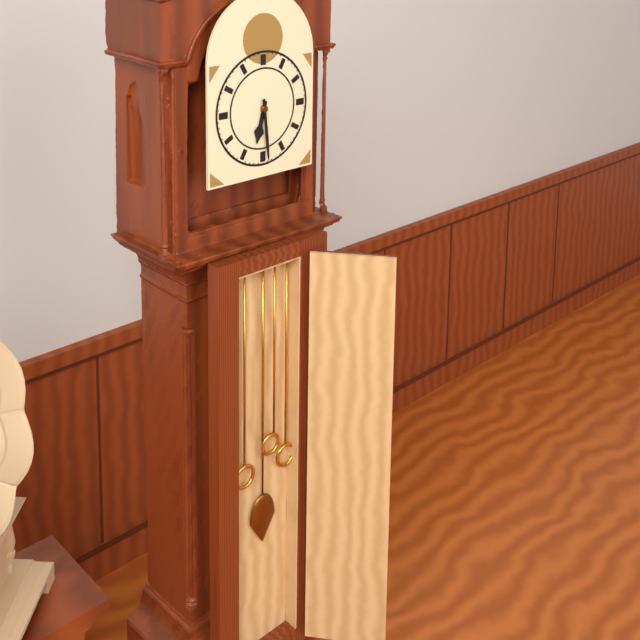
6.29
